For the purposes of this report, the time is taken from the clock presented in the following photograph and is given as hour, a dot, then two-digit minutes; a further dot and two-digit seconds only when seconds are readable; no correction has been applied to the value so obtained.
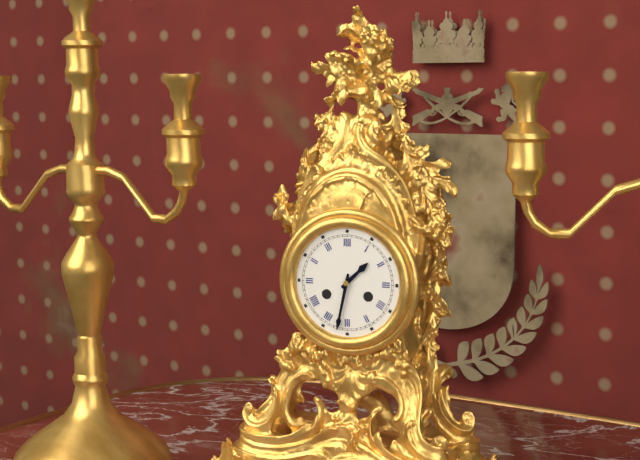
1.32
